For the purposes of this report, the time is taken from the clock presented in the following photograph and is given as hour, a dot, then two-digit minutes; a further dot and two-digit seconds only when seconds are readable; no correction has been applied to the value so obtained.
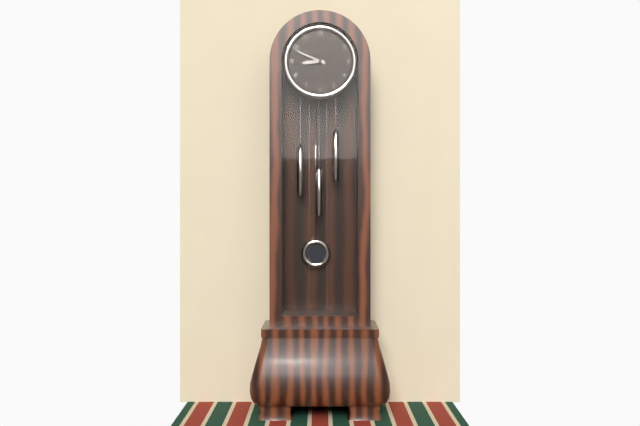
8.49
